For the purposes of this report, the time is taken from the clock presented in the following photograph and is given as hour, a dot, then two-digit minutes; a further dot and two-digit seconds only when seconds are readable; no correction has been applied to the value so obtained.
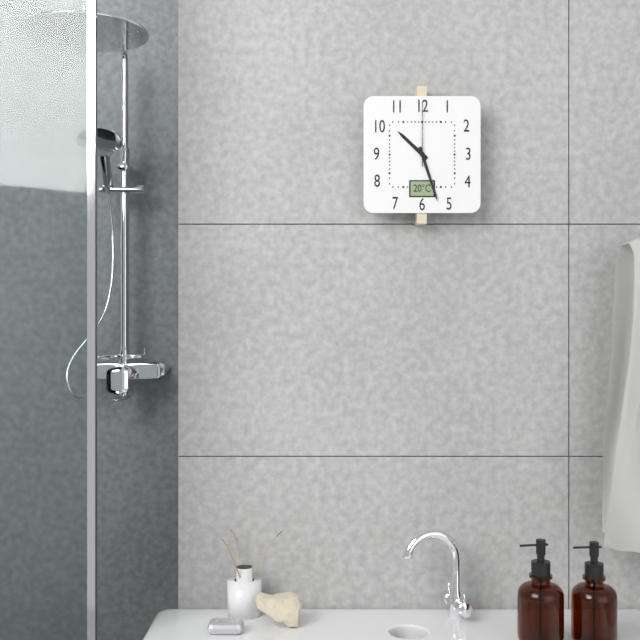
10.27.00
